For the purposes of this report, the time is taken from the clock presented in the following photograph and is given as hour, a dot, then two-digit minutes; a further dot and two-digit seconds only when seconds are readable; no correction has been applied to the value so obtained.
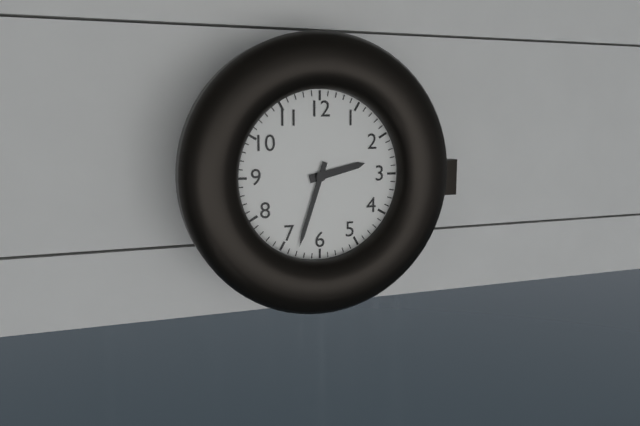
2.33
